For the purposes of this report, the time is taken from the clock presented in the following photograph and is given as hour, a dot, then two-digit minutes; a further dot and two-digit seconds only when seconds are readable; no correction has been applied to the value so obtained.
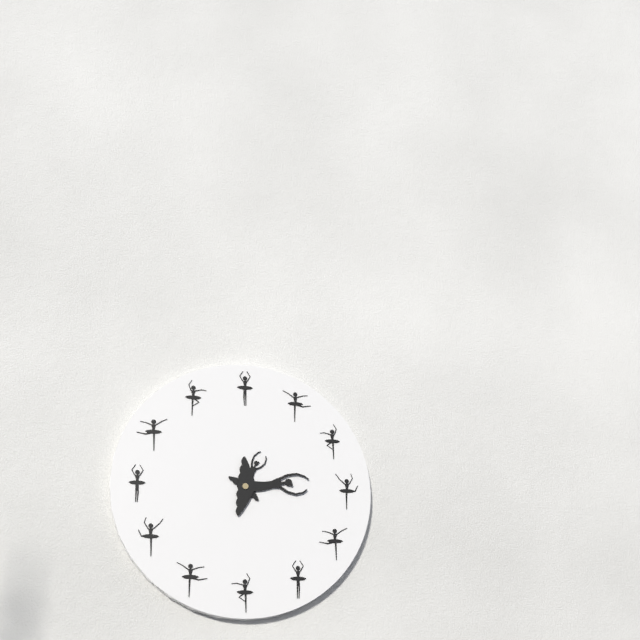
1.16
